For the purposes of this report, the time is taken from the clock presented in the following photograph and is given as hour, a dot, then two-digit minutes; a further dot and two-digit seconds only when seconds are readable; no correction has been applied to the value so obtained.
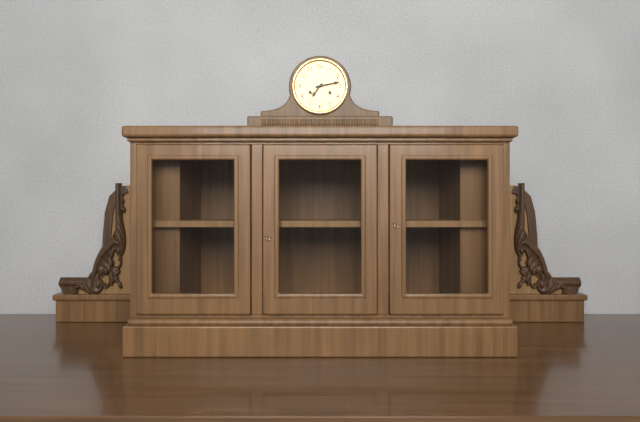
7.13
